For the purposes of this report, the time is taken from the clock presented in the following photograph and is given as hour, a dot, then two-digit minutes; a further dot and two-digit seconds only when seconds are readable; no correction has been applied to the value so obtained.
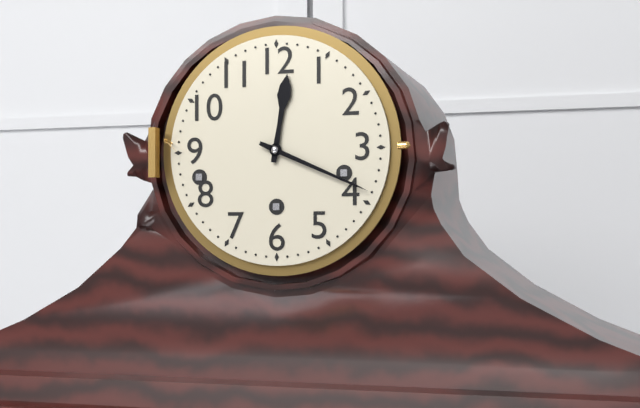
12.19
